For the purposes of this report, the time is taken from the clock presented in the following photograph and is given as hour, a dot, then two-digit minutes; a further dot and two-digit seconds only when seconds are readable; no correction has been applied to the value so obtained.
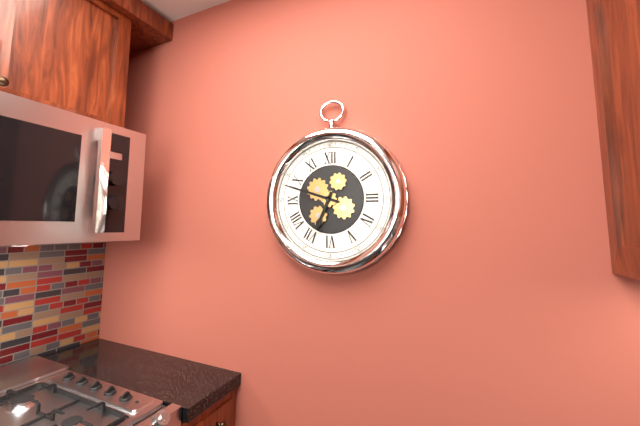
6.48
